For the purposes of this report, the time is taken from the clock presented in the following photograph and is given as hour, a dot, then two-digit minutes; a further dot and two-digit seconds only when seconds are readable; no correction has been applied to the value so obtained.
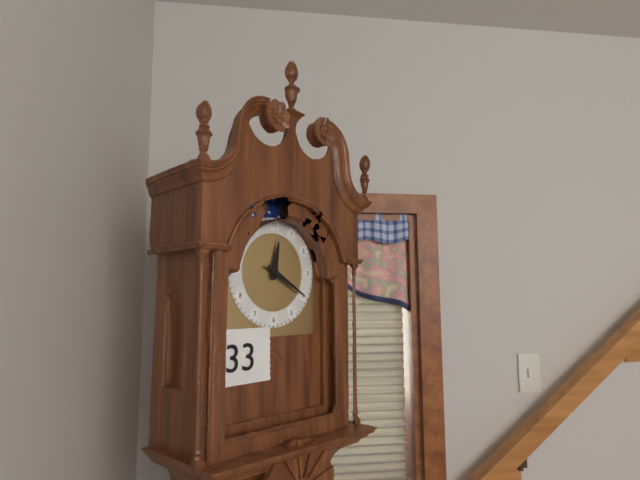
12.20
